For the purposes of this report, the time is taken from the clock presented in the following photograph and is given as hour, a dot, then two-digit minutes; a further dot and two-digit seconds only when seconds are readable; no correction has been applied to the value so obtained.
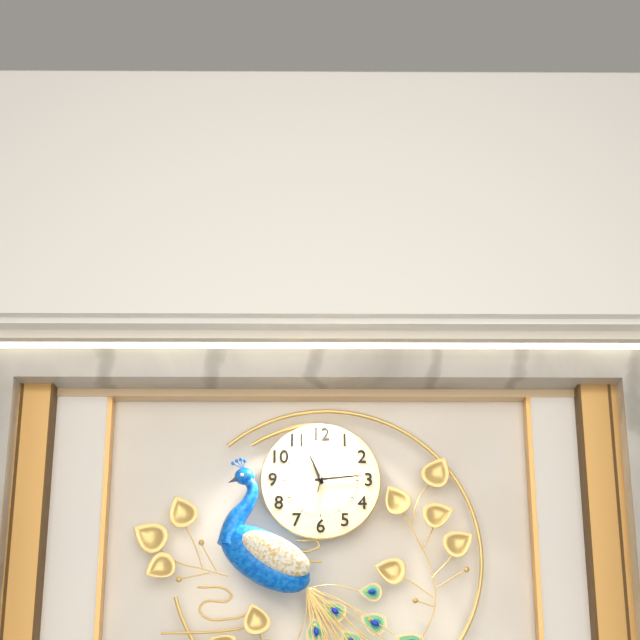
11.14.02
